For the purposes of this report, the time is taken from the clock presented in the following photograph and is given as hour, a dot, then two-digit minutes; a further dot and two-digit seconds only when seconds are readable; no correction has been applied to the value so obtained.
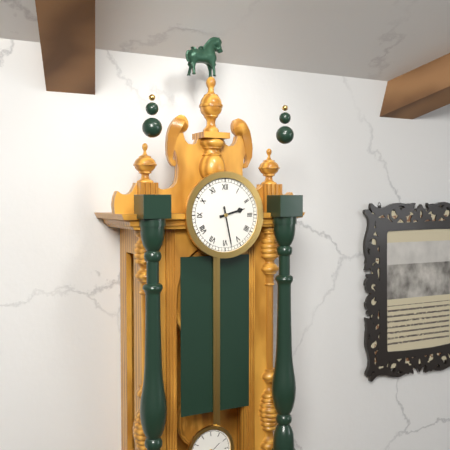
2.28
